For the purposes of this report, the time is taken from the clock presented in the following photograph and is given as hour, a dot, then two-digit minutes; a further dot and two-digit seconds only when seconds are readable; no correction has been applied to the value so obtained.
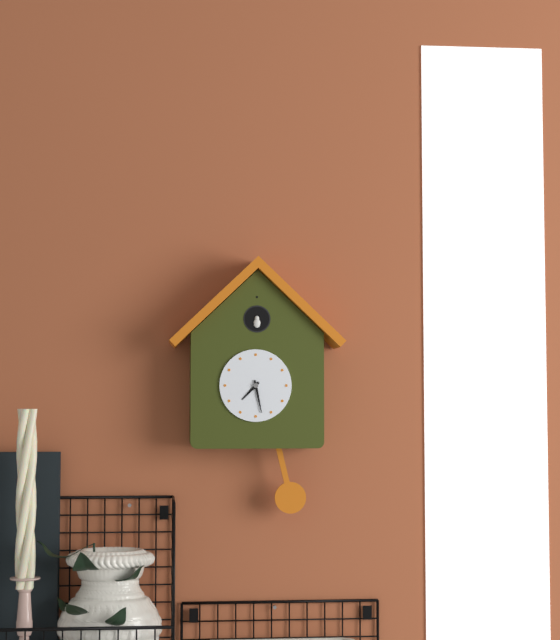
7.28
